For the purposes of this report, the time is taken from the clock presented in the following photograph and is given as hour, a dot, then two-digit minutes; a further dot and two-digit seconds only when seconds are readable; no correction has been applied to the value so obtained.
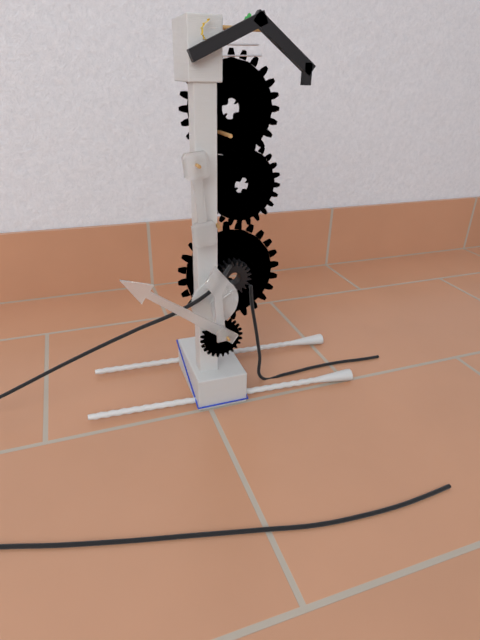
11.51
